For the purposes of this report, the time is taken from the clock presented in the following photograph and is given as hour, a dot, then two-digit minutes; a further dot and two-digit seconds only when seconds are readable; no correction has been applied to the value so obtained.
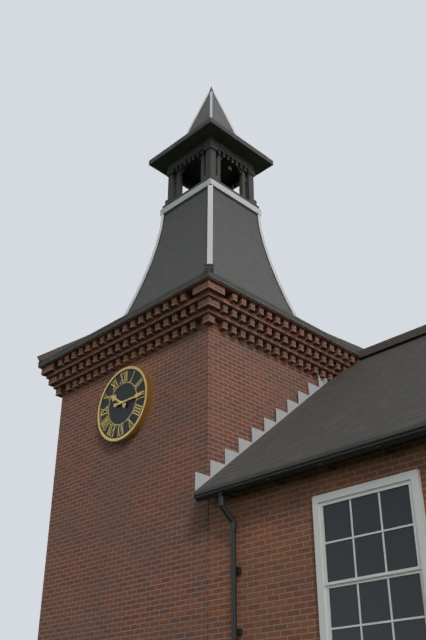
10.15
